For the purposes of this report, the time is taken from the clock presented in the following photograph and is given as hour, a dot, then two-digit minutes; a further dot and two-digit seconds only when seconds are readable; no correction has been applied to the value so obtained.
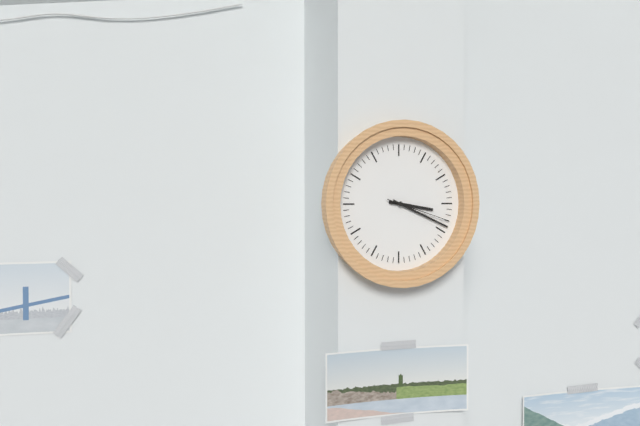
3.19.18
